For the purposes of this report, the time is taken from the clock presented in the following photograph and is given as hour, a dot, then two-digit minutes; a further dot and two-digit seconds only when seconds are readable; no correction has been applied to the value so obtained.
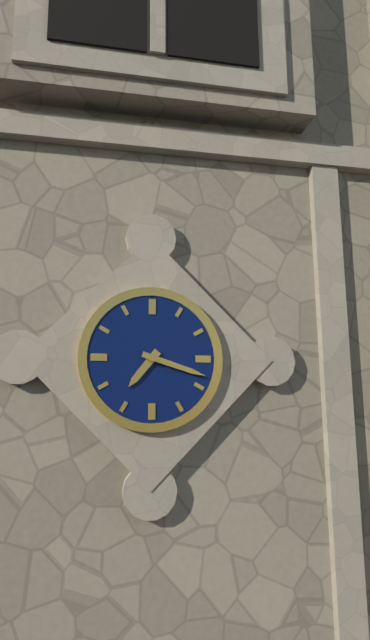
7.18
